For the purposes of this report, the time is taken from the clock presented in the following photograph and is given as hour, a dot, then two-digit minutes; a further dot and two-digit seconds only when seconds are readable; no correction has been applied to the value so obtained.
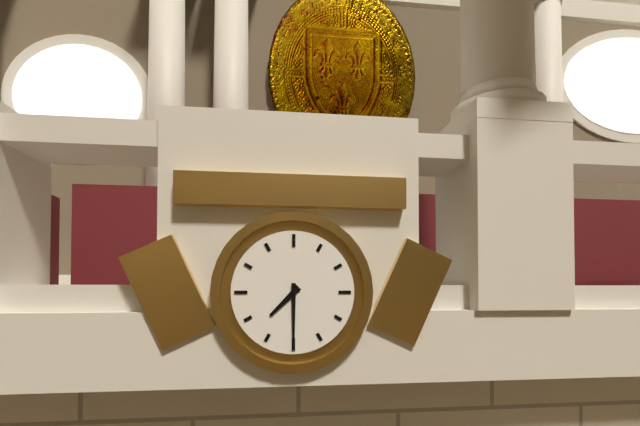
7.30
